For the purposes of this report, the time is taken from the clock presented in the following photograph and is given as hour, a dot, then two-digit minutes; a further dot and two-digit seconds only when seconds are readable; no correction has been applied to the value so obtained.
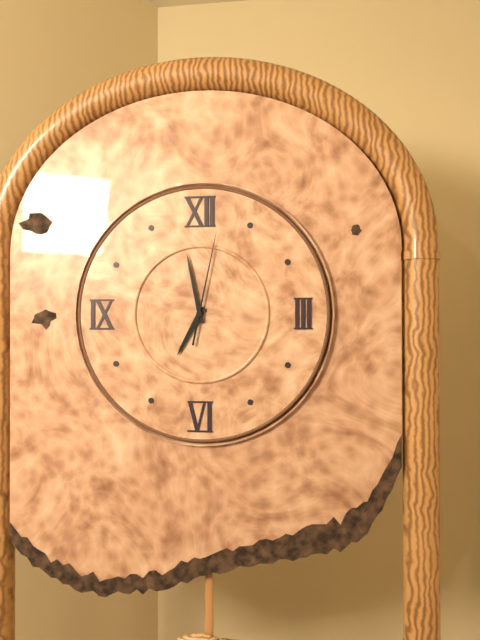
6.58.02
